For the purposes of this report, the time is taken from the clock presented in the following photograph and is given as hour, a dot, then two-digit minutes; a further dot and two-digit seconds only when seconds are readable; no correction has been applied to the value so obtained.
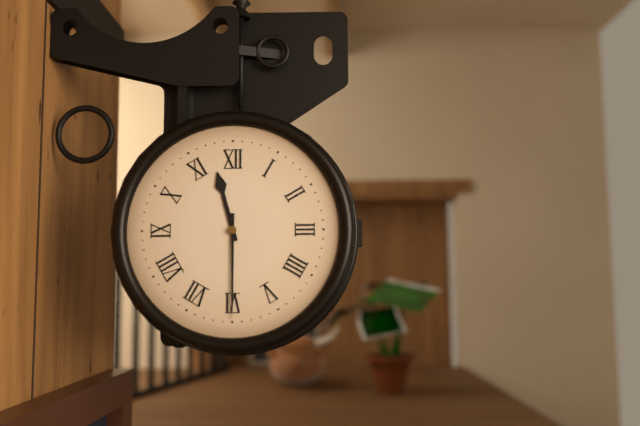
11.30
